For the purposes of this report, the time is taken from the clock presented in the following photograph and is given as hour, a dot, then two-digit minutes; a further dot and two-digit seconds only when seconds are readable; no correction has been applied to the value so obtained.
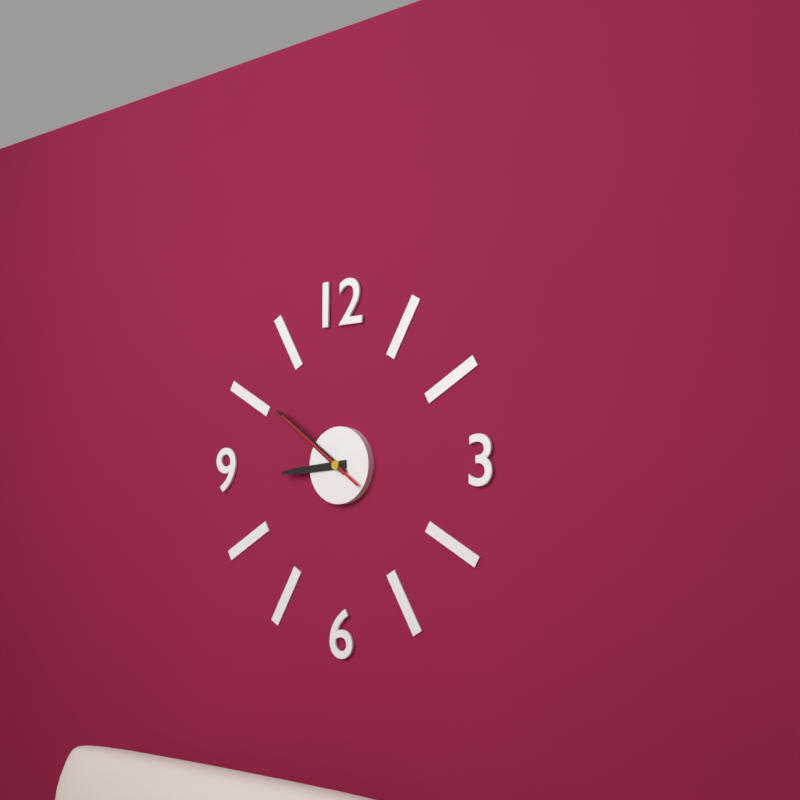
8.51.51
